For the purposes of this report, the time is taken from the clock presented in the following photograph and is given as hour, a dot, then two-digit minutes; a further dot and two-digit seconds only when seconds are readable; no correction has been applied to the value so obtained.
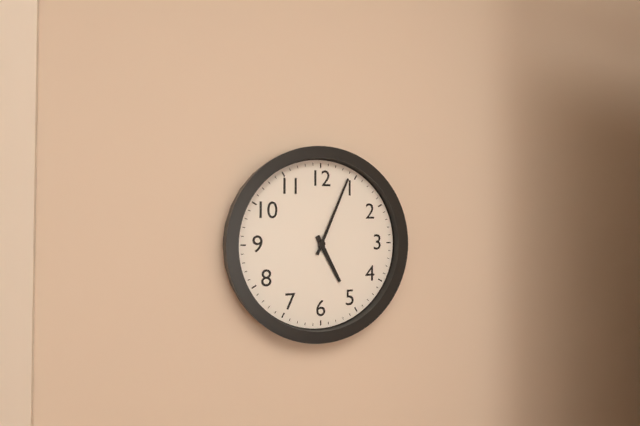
5.04
